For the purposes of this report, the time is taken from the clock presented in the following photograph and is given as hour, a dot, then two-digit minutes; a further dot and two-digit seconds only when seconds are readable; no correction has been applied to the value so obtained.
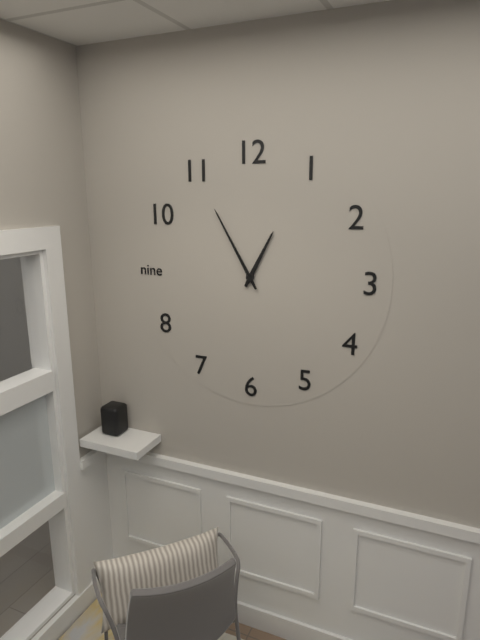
12.55
